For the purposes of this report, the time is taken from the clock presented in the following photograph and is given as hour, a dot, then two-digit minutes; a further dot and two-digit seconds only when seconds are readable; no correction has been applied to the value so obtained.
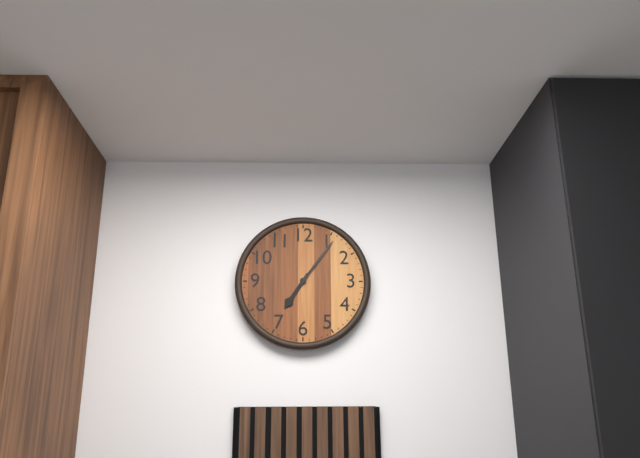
7.06
